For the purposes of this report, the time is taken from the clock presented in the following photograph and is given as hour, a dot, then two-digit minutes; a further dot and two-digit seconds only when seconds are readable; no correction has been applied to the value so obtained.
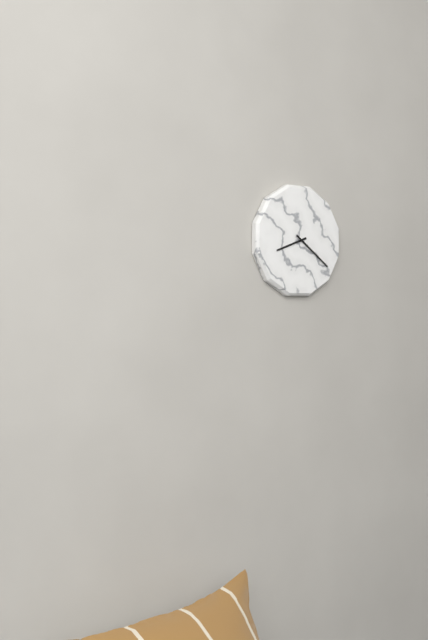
8.21
